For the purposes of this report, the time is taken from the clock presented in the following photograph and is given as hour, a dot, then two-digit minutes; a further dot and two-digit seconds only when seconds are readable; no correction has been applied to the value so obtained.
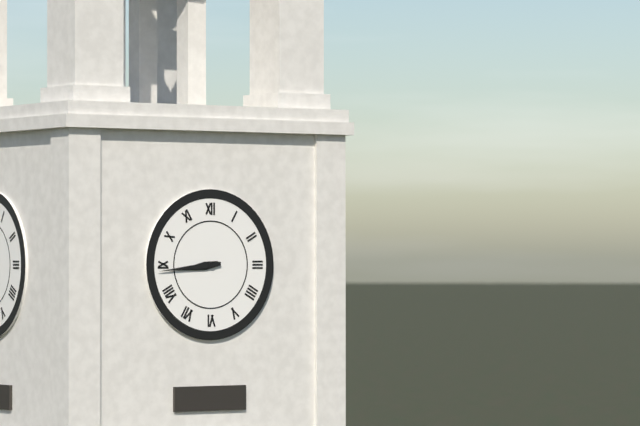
8.44
